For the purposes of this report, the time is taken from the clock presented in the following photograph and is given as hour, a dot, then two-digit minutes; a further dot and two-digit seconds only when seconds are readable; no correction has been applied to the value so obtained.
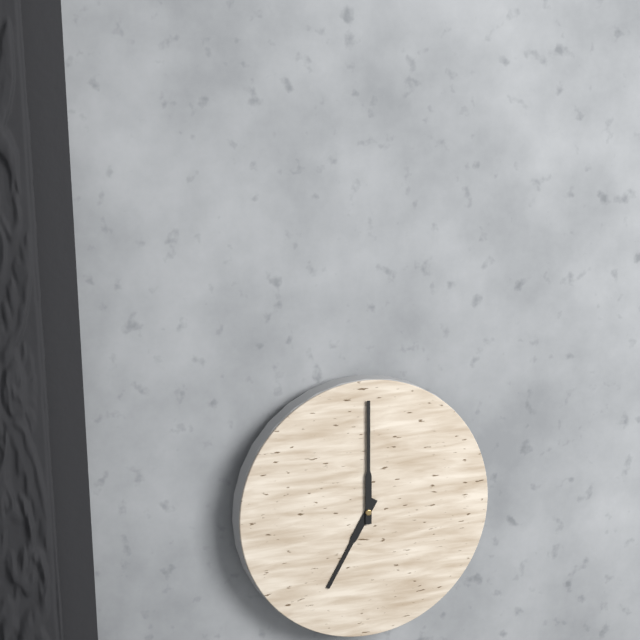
7.00
